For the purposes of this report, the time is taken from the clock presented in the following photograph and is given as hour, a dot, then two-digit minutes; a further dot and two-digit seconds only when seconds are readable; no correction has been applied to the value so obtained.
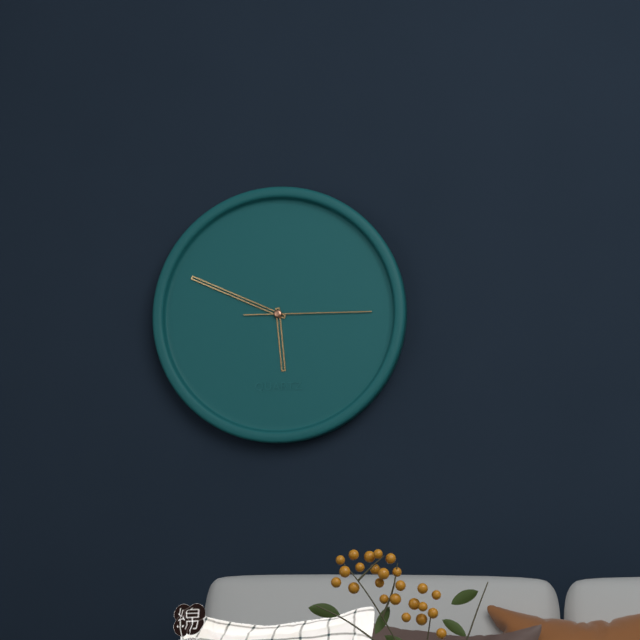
5.49.15
